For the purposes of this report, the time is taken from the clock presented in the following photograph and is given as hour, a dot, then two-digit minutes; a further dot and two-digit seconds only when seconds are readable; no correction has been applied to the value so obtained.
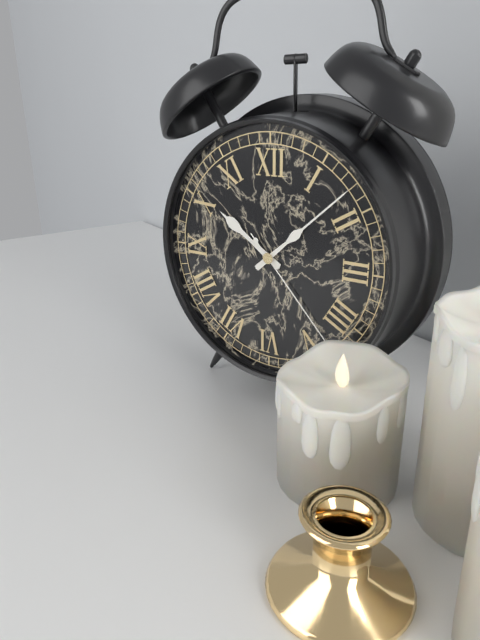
10.08.23
